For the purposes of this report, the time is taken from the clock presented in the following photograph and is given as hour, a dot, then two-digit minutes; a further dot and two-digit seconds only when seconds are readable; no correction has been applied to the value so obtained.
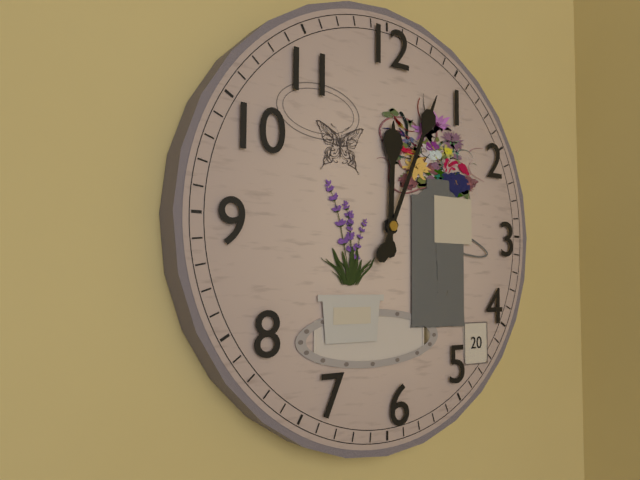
12.04
